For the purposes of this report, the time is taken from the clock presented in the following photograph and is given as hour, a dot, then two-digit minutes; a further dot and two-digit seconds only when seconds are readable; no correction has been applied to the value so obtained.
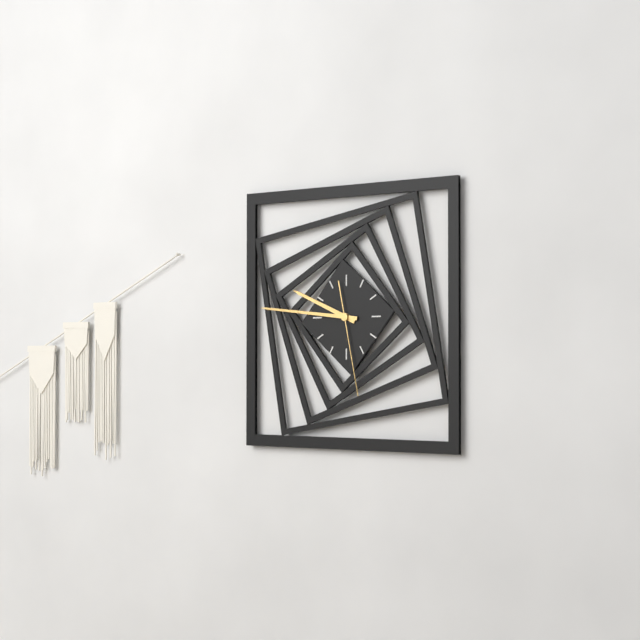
9.46.28
